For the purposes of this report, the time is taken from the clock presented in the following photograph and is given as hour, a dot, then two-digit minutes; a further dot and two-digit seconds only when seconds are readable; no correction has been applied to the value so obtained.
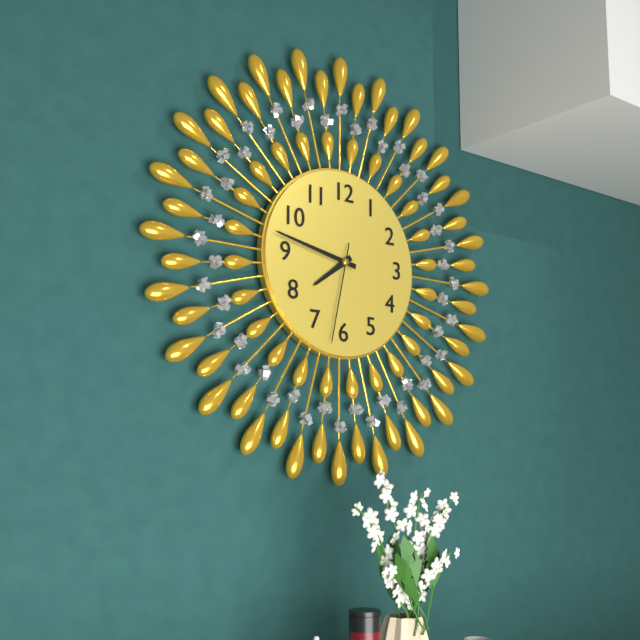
7.47.32
